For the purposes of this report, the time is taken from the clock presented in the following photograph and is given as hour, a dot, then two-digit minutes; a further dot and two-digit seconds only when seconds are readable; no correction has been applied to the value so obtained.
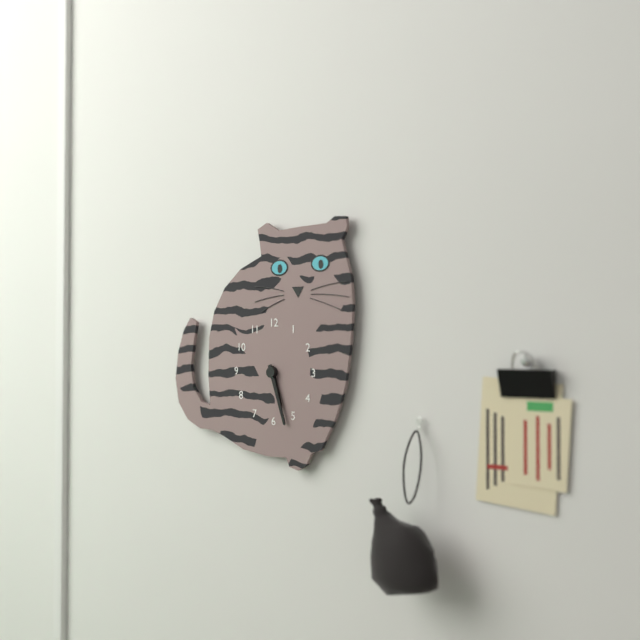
5.27
